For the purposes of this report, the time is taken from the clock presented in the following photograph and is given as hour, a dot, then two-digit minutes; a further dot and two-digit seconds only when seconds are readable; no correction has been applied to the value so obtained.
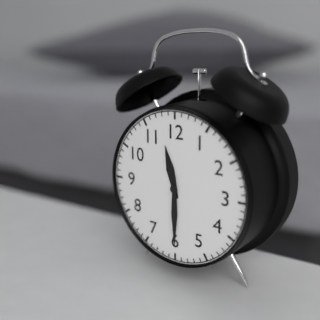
11.30
